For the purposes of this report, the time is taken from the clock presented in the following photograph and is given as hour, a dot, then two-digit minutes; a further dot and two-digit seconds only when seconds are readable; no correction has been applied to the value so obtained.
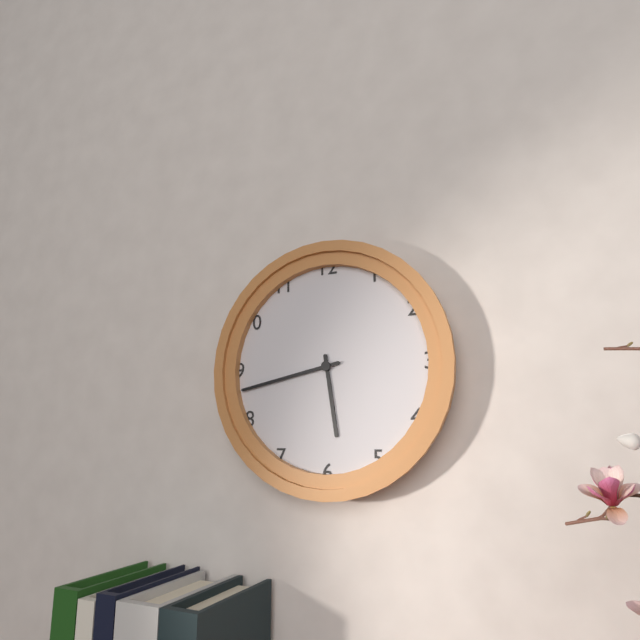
5.43
